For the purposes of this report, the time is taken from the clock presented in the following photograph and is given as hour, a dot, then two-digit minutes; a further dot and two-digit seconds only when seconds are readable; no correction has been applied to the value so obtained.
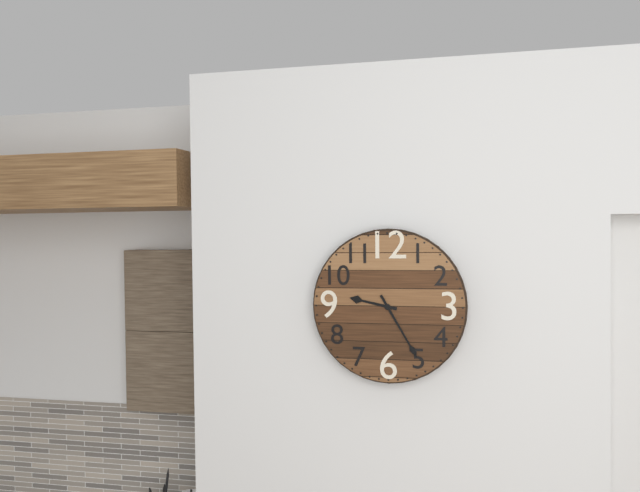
9.25
